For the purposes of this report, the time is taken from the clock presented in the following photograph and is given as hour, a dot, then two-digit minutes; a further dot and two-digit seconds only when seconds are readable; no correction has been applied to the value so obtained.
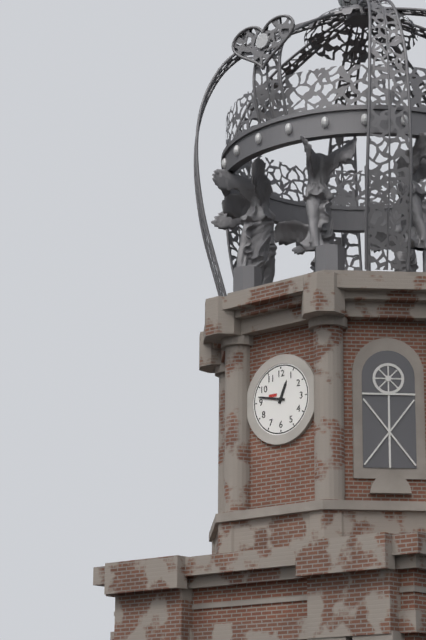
12.47
